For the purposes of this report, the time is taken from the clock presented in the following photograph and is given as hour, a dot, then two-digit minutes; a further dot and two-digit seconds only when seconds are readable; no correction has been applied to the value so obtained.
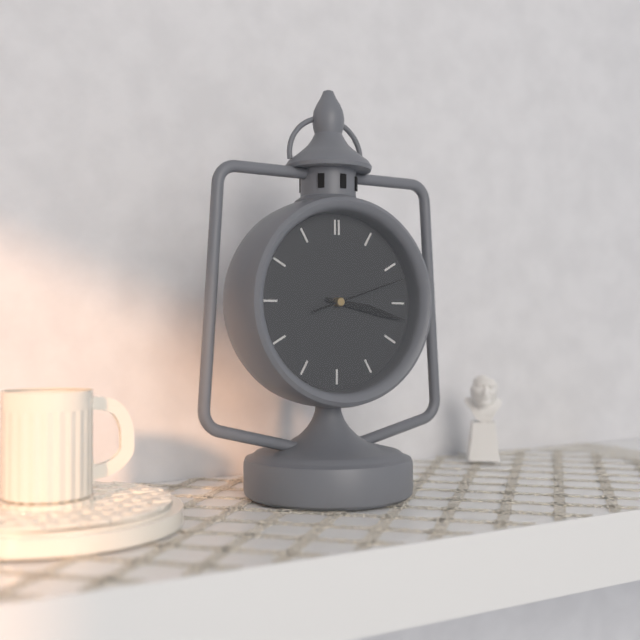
3.17.12
